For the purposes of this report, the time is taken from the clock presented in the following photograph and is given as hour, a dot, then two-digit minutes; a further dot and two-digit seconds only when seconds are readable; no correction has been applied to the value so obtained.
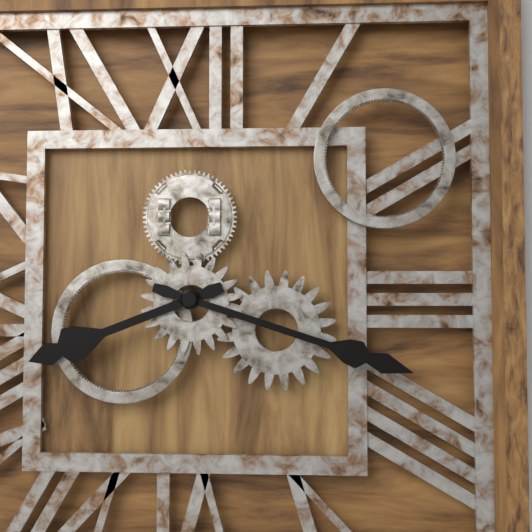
8.18
